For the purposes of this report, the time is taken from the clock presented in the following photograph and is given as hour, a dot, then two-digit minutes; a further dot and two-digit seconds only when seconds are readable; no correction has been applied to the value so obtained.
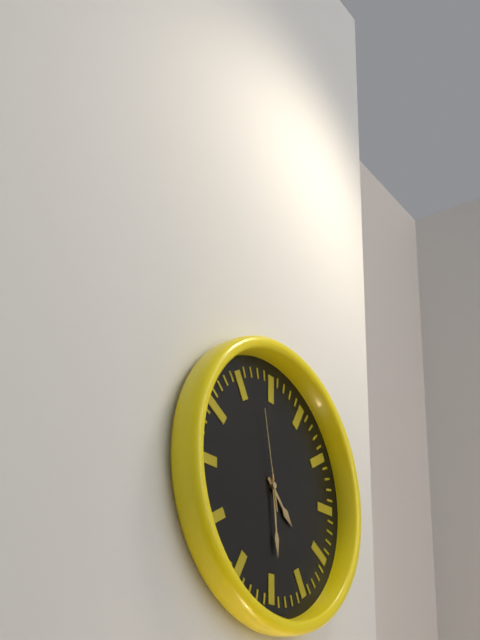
4.29.58
